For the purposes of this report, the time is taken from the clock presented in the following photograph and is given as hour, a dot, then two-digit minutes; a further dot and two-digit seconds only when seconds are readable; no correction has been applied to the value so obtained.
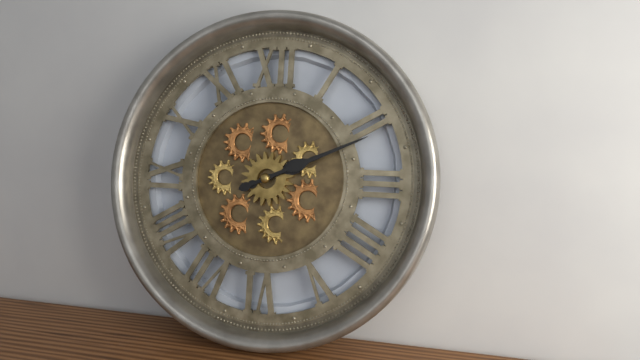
2.11
